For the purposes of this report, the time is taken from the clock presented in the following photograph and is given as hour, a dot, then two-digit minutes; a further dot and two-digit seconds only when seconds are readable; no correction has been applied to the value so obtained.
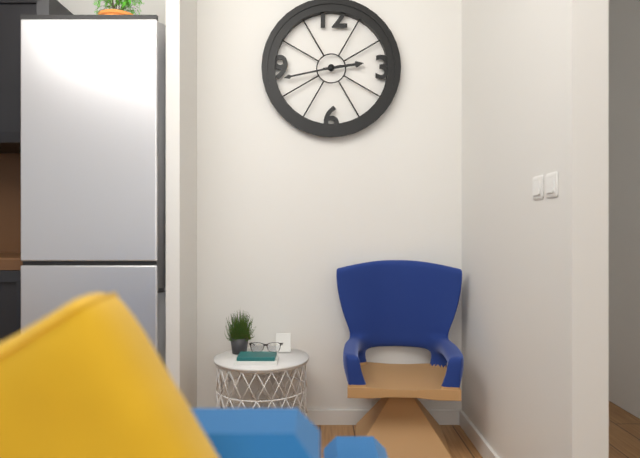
2.43
